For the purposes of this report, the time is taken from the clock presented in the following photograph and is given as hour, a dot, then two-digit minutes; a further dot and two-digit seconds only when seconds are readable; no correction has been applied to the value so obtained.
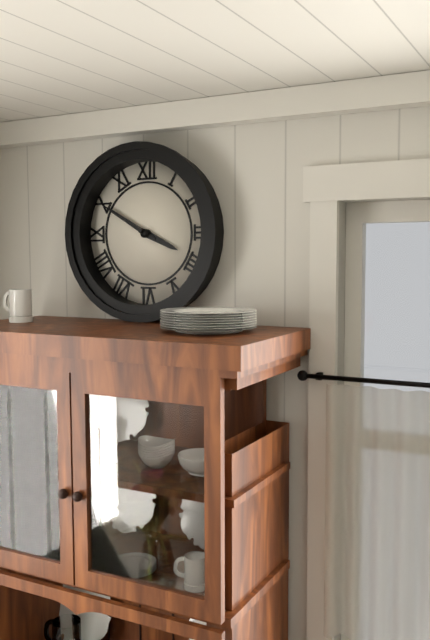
3.50
